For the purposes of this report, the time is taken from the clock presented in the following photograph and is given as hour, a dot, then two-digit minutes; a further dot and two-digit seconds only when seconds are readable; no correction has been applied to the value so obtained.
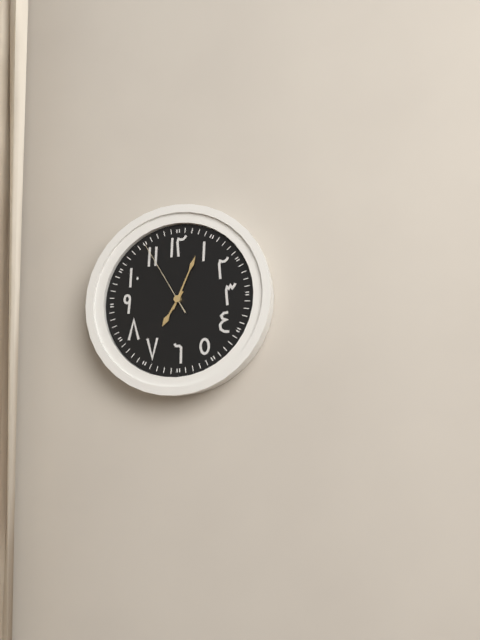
7.04.55
